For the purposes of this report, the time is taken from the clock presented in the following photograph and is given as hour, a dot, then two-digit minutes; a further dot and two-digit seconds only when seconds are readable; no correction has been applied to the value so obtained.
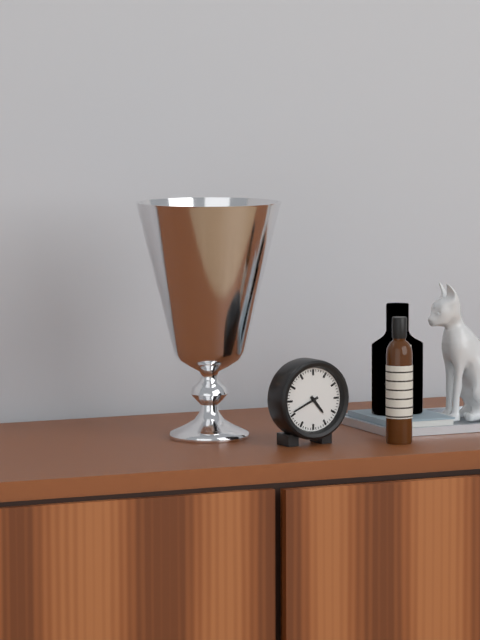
4.41
